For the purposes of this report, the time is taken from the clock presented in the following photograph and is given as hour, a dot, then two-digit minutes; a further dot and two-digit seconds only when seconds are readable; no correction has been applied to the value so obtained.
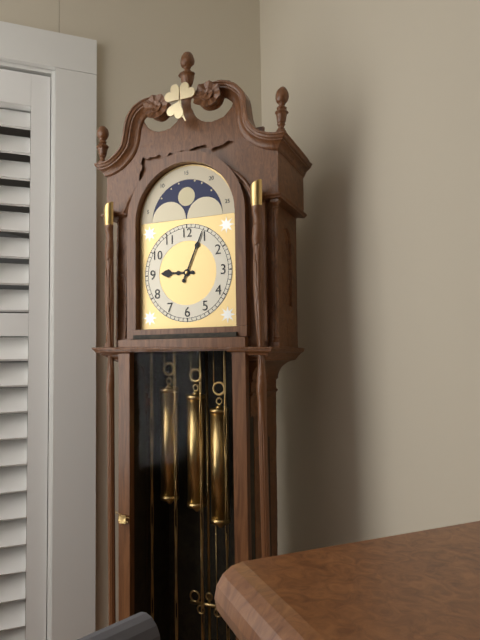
9.04
